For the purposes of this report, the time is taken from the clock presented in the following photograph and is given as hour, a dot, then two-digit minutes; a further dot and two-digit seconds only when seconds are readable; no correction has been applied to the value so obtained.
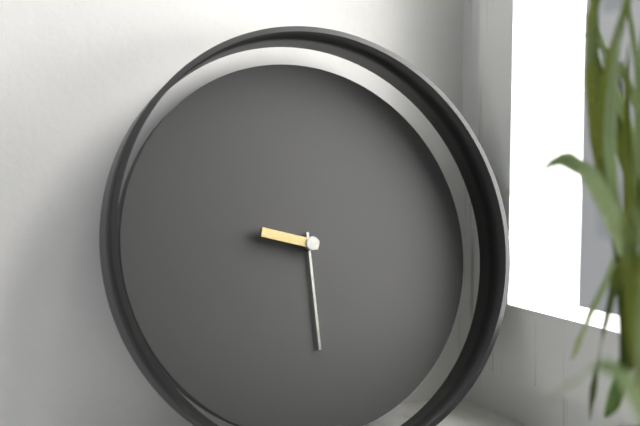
9.30
